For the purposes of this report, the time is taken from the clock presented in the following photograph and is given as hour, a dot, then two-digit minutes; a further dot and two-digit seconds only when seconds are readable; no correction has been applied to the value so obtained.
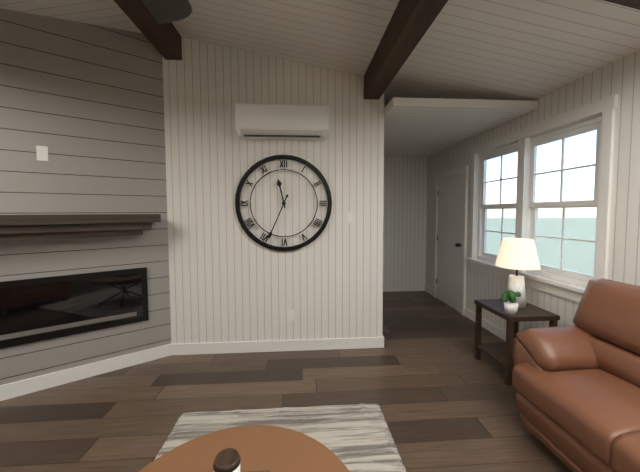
11.34
